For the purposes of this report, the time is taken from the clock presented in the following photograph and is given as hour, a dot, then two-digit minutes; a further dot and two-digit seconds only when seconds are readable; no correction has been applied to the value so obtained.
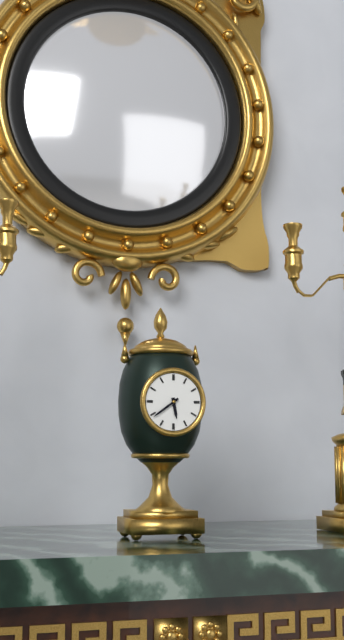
5.39
